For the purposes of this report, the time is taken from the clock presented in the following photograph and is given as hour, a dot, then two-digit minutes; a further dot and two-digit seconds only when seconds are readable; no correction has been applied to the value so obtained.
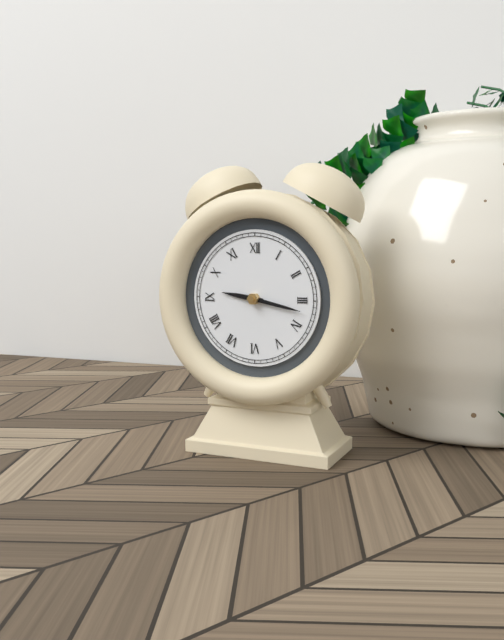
9.17
